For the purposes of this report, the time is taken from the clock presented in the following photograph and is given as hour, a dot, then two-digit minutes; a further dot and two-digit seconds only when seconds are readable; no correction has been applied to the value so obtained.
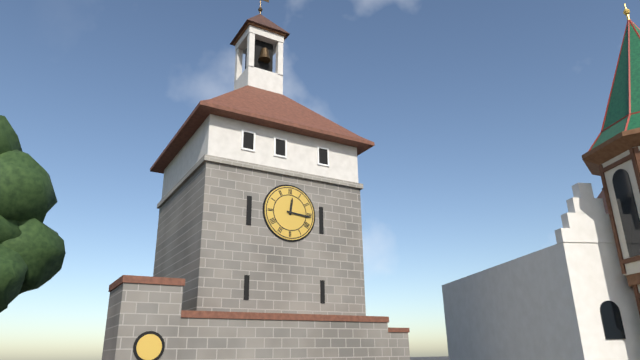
12.16
